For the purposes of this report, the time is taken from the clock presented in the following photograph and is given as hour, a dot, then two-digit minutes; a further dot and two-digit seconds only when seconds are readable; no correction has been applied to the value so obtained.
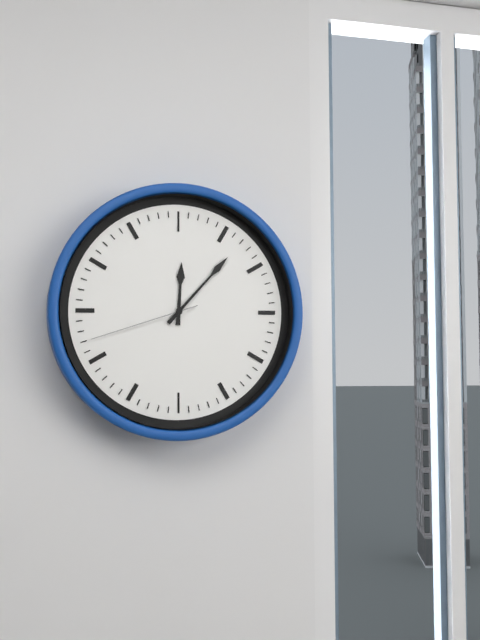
12.07.42
